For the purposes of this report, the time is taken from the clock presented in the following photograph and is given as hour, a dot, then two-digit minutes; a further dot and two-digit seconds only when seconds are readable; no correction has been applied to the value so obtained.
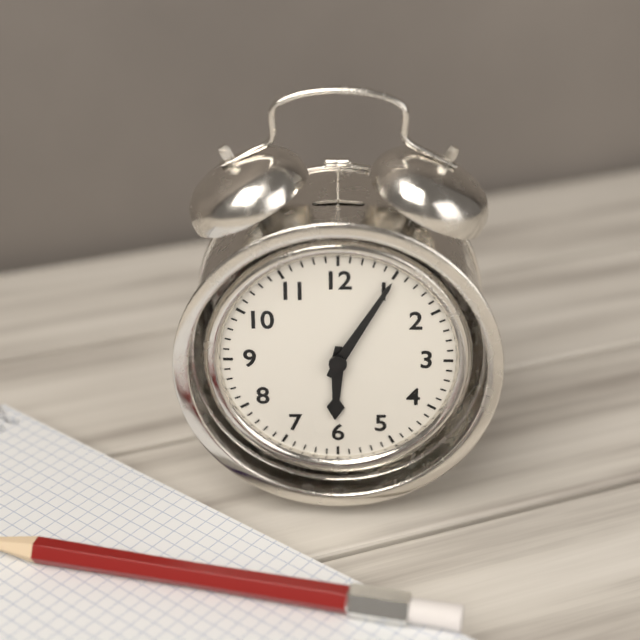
6.05
